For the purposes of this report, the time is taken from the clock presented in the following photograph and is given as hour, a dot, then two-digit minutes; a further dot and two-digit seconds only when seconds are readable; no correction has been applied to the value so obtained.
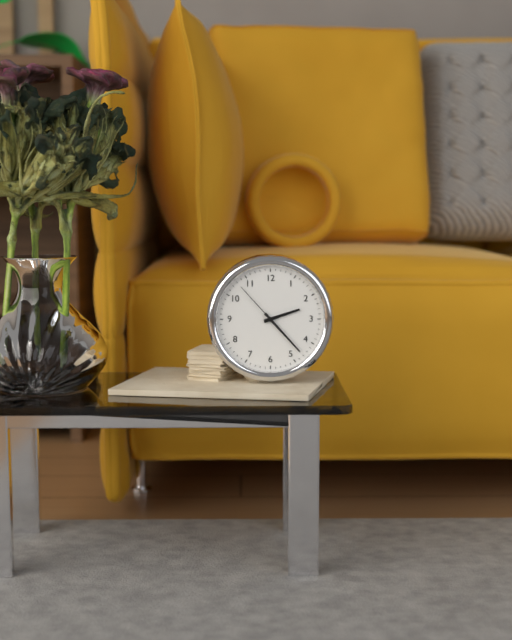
2.23.53
